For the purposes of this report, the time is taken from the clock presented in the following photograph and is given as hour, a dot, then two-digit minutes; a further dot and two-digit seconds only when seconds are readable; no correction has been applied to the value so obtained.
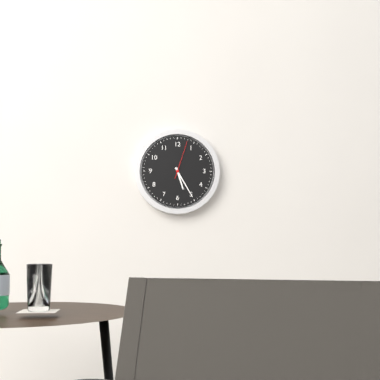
5.25
